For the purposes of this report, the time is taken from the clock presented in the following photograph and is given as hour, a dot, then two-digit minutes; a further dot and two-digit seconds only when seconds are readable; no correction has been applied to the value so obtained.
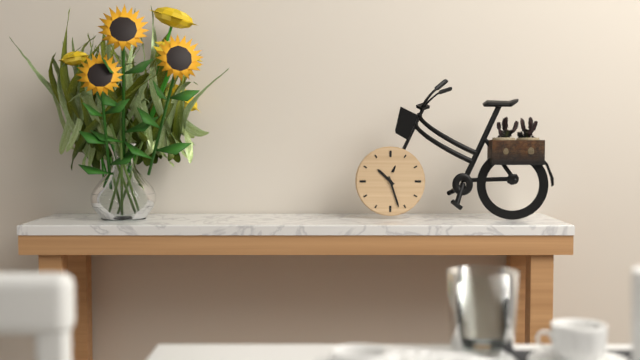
10.27
